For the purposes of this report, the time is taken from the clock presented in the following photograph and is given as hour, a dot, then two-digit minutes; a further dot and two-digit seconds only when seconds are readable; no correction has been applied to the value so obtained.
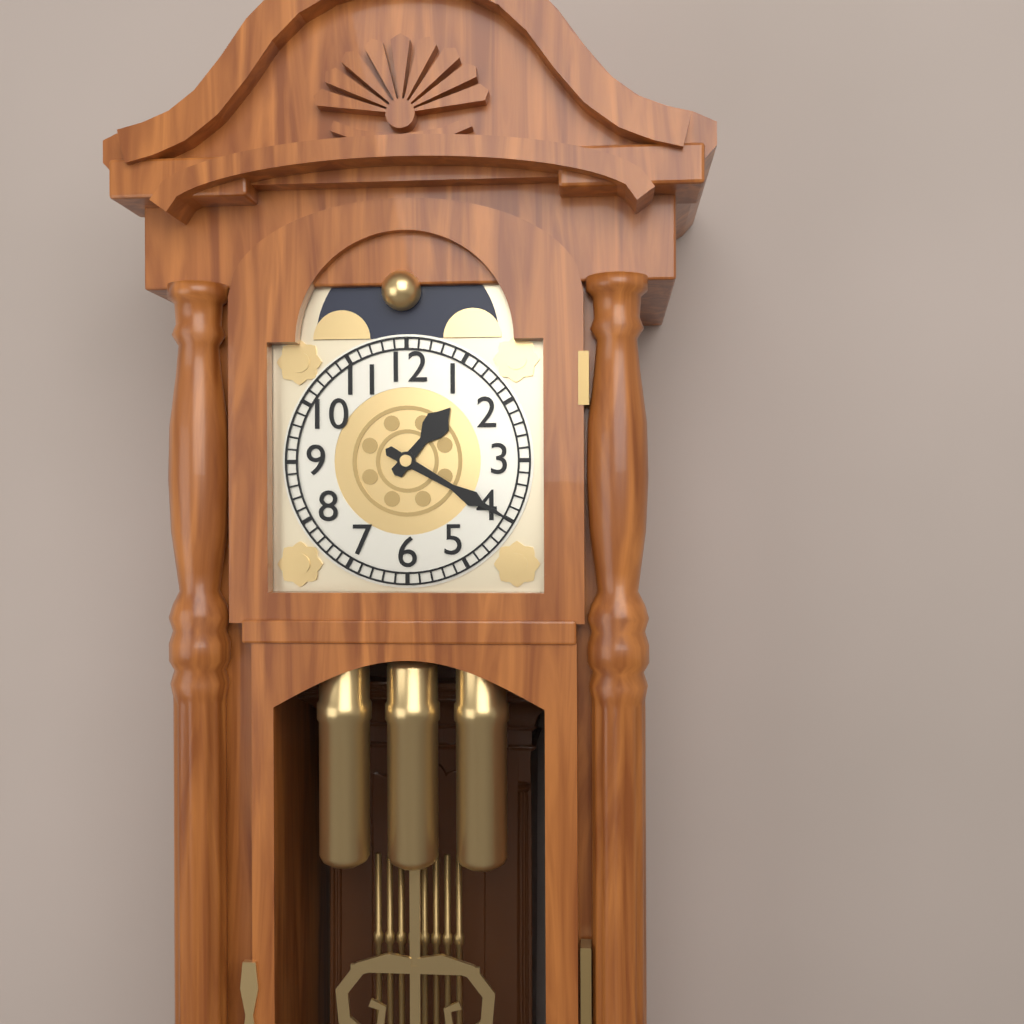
1.20
